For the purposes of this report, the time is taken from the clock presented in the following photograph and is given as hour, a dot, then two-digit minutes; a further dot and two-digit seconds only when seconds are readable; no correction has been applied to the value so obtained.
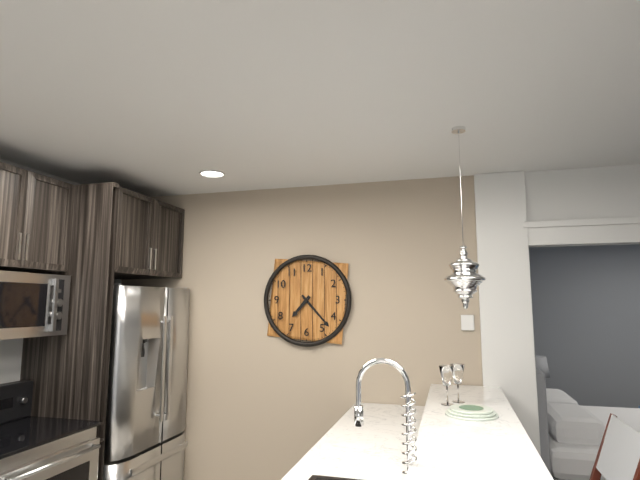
7.23
